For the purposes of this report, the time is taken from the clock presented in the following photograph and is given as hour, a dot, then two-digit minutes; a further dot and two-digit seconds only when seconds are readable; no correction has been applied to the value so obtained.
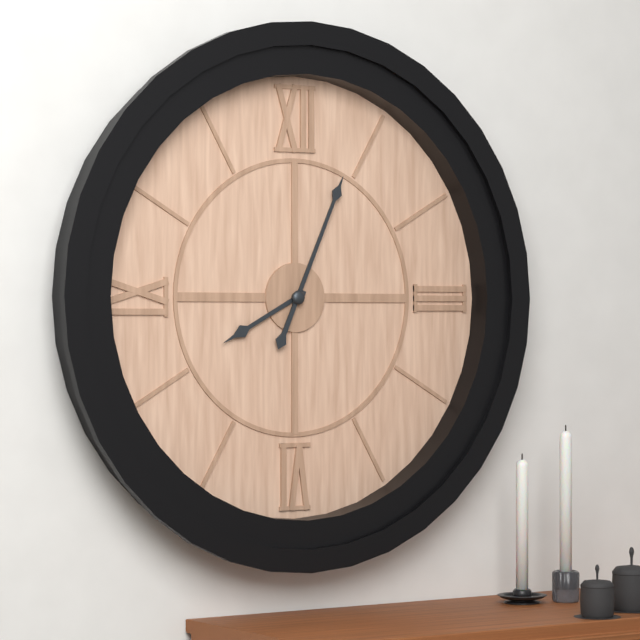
8.04
